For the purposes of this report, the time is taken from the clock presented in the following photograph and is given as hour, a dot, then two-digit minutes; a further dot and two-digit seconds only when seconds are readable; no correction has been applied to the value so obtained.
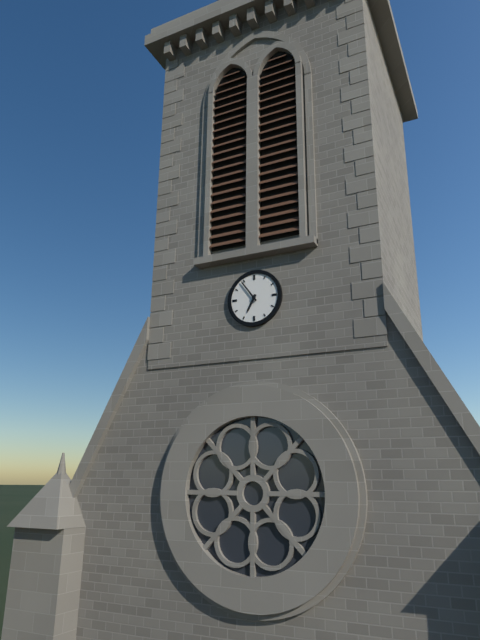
6.54
